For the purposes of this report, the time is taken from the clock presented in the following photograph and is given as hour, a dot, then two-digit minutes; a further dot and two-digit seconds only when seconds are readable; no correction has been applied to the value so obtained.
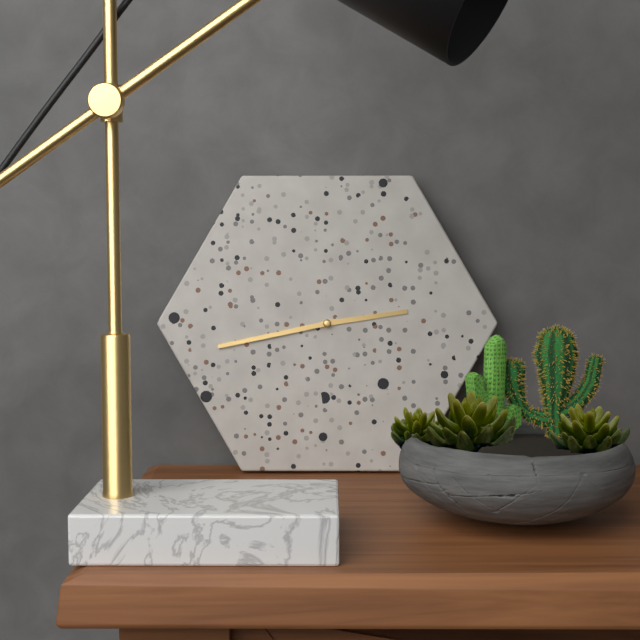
2.43
